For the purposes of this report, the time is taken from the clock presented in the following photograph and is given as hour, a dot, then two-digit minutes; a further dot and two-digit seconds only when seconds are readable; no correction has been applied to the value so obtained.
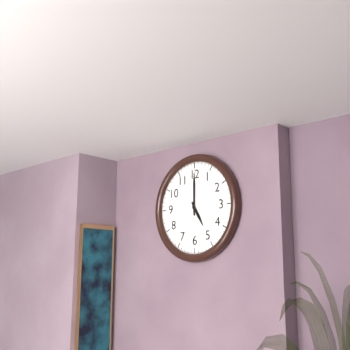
5.00
